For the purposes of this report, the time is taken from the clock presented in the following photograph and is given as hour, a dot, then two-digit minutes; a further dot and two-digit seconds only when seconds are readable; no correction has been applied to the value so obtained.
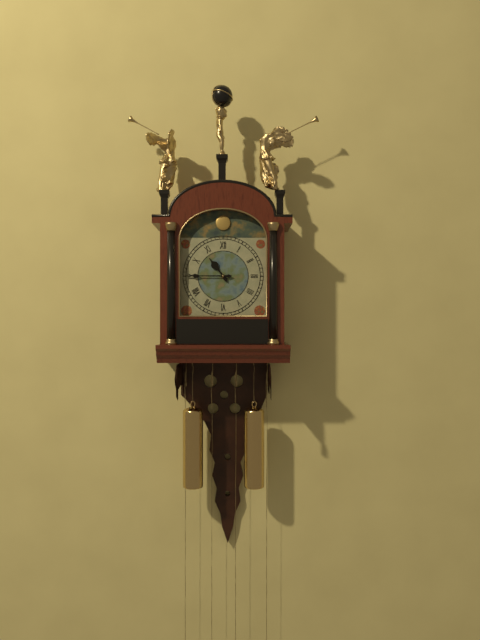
10.45
